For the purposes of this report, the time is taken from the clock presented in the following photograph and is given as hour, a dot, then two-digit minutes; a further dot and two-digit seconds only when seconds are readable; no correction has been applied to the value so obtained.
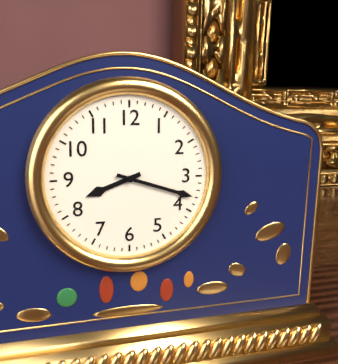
8.18
